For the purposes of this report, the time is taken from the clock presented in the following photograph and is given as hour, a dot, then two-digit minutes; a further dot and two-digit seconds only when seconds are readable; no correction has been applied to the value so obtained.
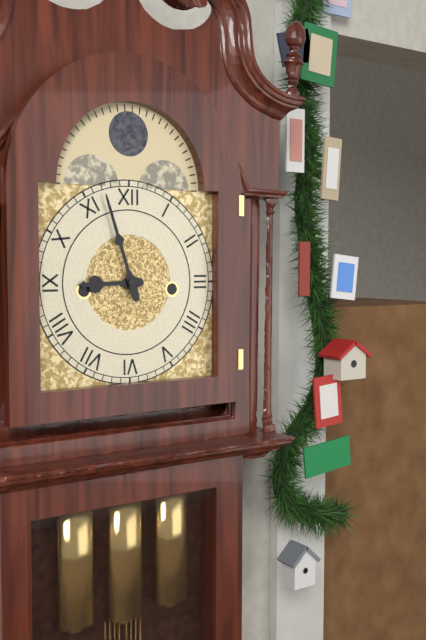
8.57
